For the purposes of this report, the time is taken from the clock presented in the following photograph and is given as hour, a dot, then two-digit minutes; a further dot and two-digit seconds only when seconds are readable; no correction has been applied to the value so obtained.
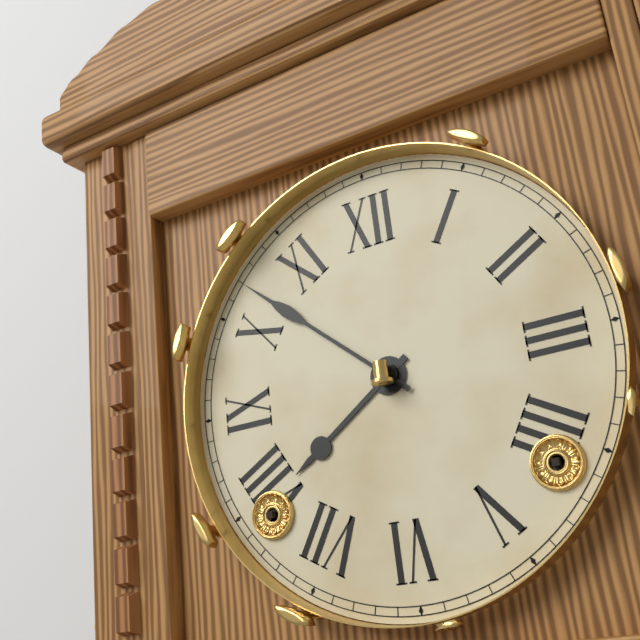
7.52
